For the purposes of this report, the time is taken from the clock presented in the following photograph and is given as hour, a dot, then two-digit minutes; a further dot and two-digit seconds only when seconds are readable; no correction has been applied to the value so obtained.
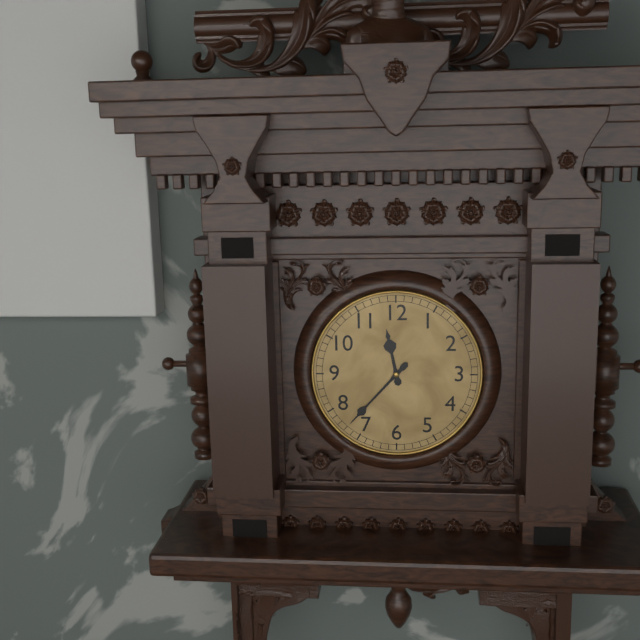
11.37
